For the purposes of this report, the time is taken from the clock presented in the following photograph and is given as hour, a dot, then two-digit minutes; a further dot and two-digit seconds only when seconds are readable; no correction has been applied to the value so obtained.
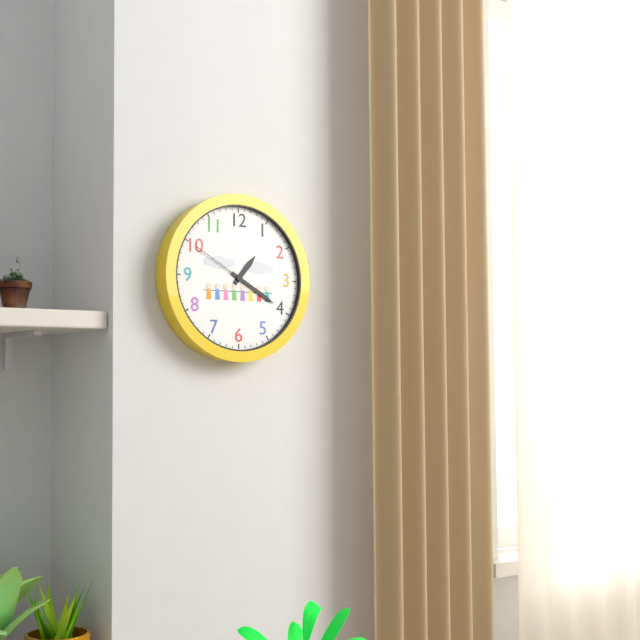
1.20.50
